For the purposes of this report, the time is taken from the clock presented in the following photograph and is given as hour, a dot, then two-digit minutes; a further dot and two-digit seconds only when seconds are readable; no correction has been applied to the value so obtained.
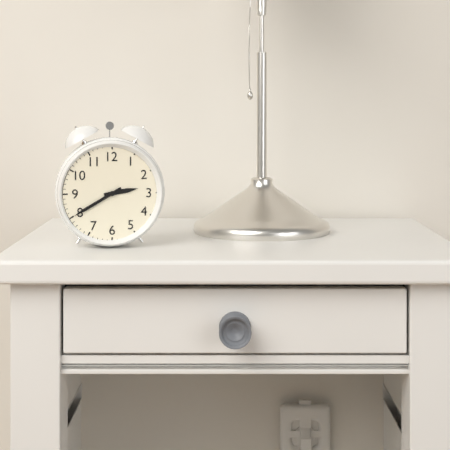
2.40
